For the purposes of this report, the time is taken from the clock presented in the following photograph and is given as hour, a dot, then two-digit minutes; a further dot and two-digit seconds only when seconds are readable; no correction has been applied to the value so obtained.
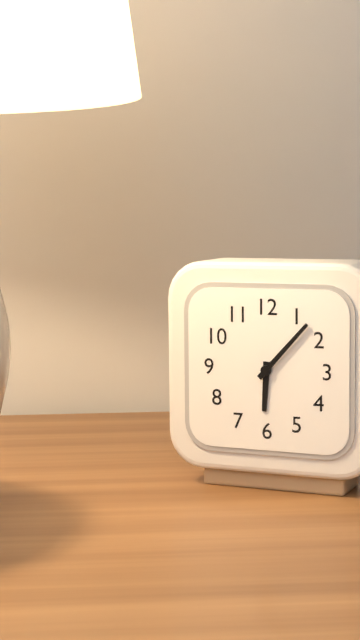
6.07
